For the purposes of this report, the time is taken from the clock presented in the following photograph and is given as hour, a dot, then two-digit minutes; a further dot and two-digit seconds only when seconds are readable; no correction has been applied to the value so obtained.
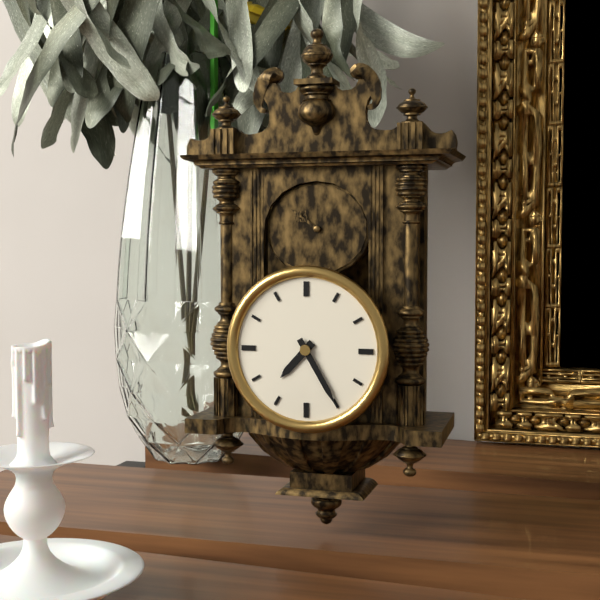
7.25
